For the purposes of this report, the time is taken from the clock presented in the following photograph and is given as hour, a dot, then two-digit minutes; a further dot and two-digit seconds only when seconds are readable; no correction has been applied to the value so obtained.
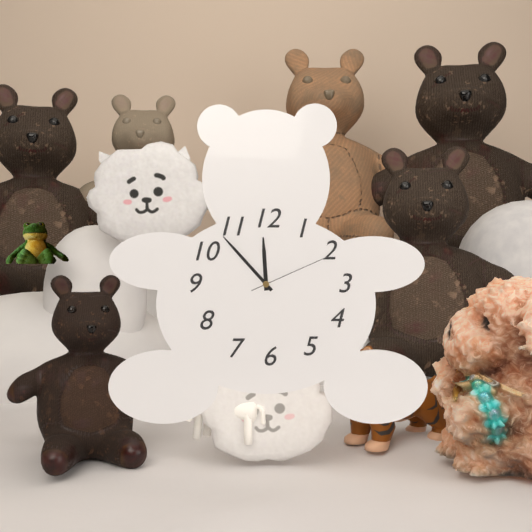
11.53.11
